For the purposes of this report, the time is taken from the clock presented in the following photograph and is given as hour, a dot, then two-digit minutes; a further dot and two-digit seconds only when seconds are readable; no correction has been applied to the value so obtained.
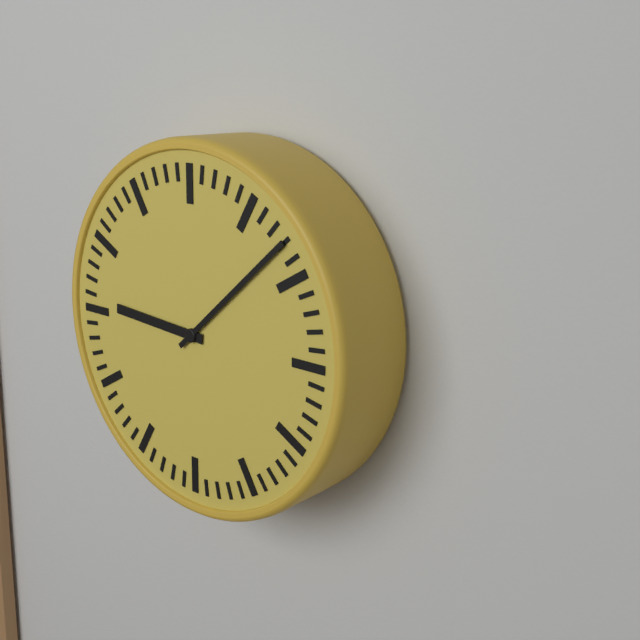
9.08
